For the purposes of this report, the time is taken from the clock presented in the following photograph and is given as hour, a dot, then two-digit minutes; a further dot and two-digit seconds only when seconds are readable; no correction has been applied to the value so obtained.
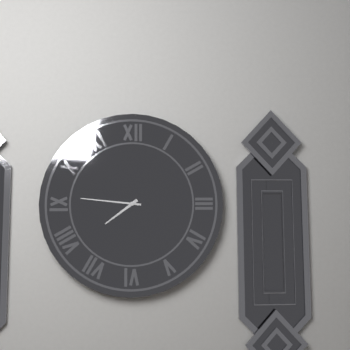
7.46
